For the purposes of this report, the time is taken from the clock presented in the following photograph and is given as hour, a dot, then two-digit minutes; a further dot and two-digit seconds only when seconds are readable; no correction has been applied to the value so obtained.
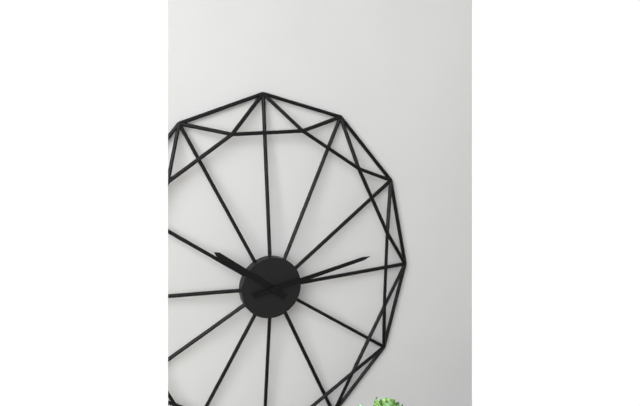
10.13
